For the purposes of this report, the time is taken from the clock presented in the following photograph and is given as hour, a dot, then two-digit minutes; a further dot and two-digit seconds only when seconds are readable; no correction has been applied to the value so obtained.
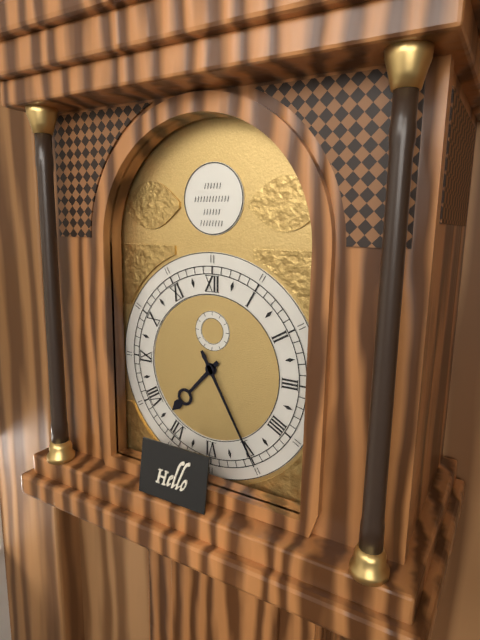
7.25
